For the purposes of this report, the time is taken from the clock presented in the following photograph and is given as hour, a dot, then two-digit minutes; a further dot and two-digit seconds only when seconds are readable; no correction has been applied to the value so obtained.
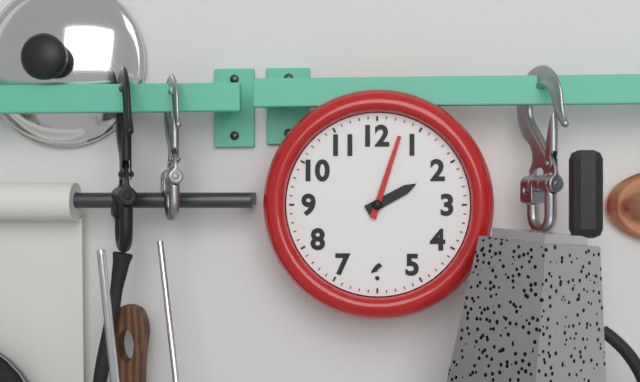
2.03
